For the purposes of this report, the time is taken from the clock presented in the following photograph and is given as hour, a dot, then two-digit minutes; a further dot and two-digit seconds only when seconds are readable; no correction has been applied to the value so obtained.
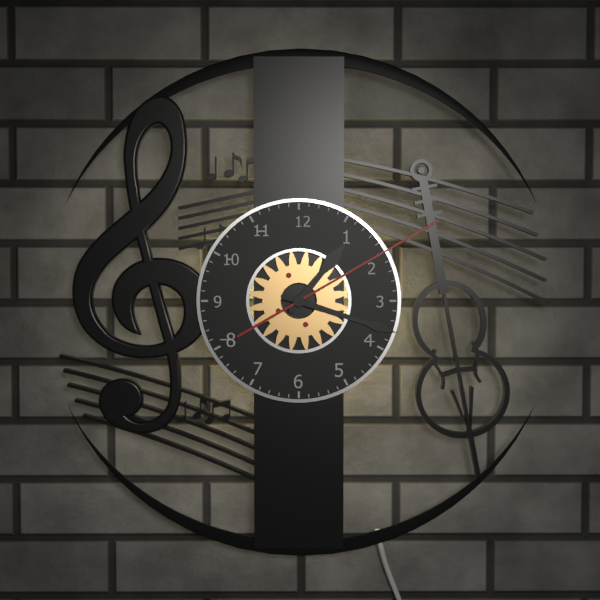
1.18.10
